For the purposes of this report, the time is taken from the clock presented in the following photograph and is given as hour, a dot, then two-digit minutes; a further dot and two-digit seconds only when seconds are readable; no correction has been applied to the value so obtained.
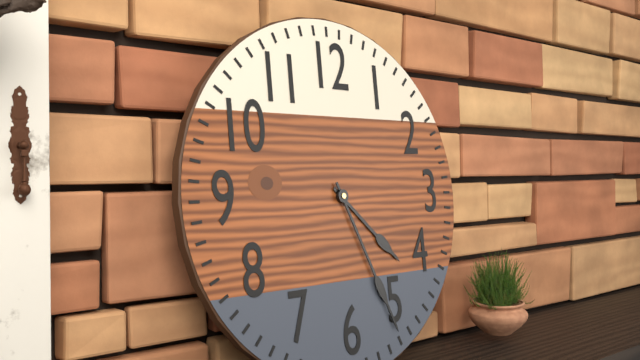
4.26
